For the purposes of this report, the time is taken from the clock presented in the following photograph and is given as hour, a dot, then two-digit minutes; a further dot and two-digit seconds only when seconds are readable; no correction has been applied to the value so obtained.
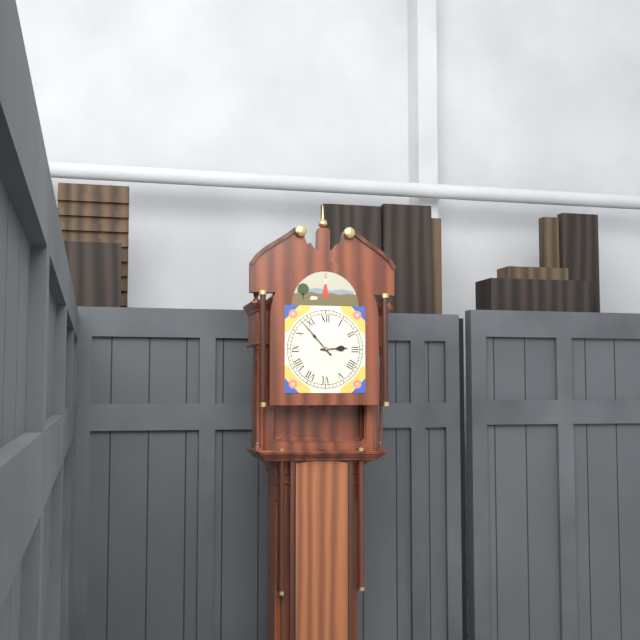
2.53
